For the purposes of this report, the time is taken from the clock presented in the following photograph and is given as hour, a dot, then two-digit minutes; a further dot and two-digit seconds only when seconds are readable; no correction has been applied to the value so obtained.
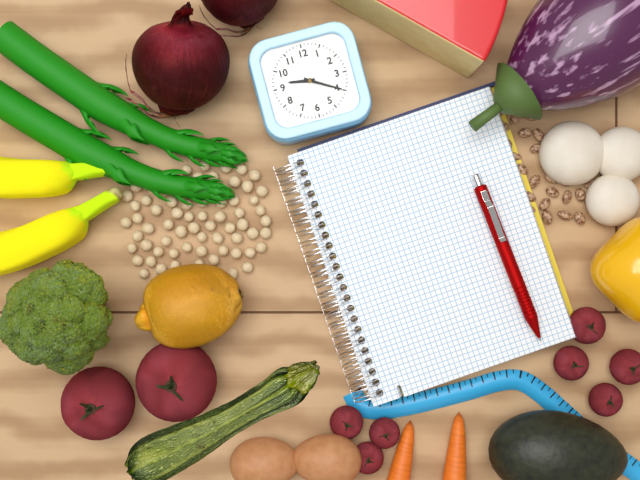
9.20
